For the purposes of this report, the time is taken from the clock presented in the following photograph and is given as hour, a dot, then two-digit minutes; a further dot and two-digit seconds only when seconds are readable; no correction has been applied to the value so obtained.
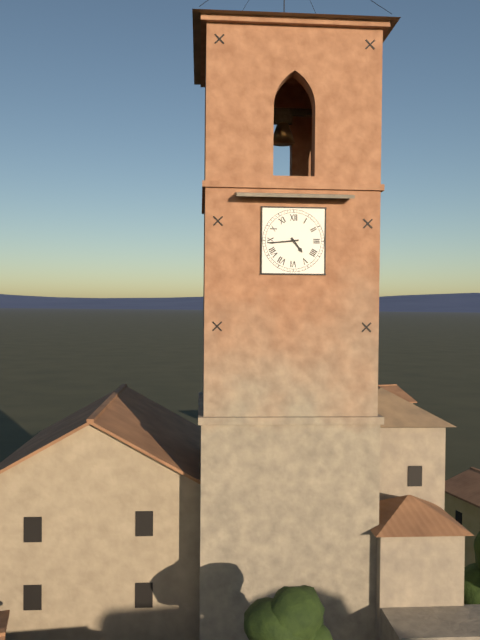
4.44
